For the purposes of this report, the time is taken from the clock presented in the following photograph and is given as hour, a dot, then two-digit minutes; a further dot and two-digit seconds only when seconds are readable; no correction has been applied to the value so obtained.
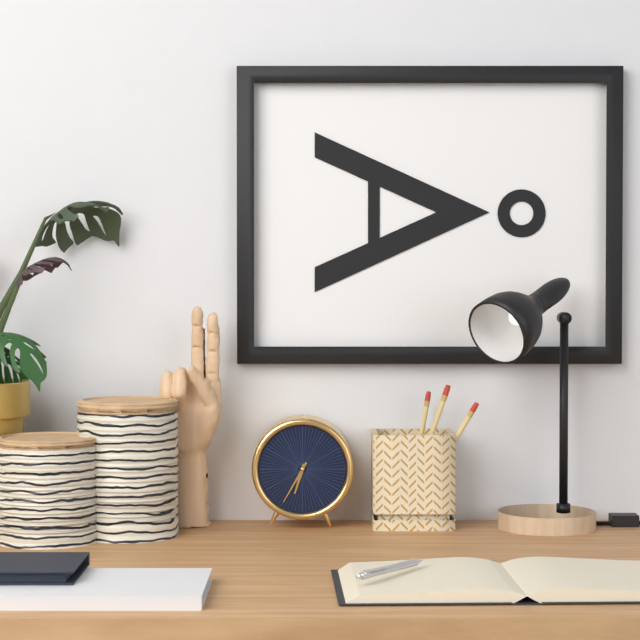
6.35
